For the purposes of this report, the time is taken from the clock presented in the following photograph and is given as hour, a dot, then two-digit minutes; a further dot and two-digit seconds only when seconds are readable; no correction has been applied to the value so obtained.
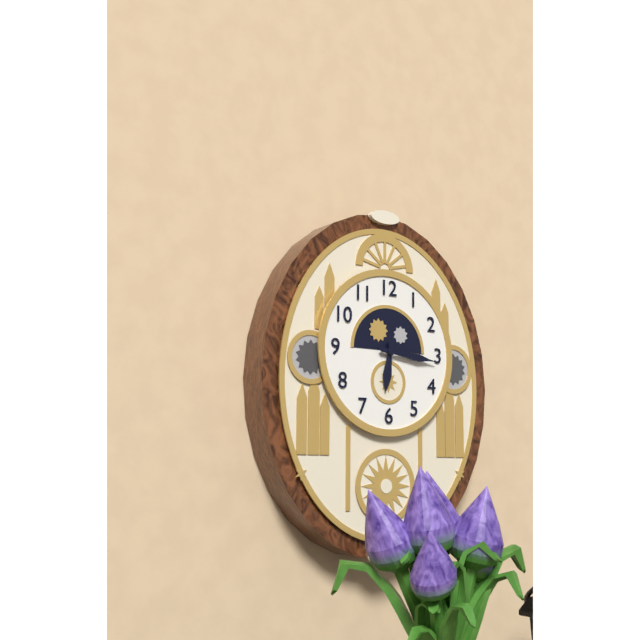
6.16
